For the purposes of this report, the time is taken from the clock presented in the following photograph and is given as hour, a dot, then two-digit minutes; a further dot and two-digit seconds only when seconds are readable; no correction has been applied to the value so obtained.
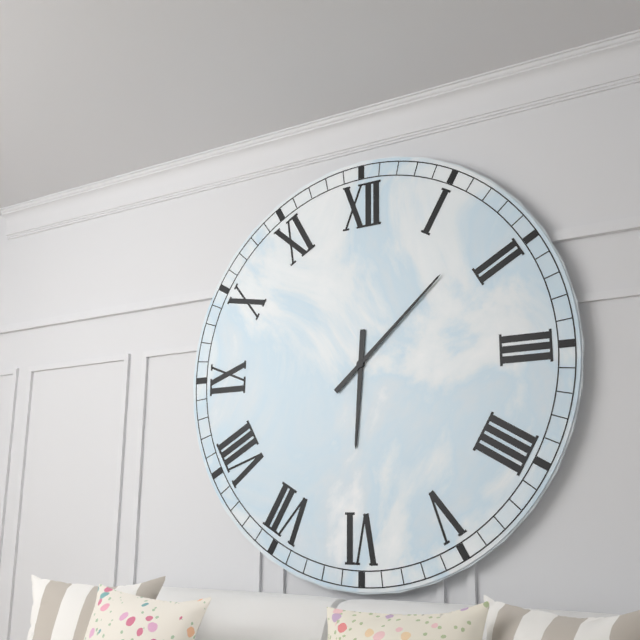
6.08
